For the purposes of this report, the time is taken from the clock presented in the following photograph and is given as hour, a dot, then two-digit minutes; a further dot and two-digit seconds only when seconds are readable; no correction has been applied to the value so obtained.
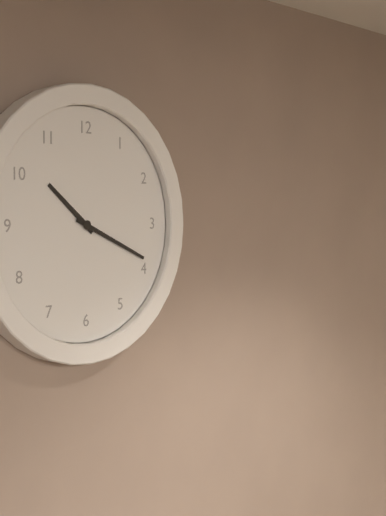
10.19
